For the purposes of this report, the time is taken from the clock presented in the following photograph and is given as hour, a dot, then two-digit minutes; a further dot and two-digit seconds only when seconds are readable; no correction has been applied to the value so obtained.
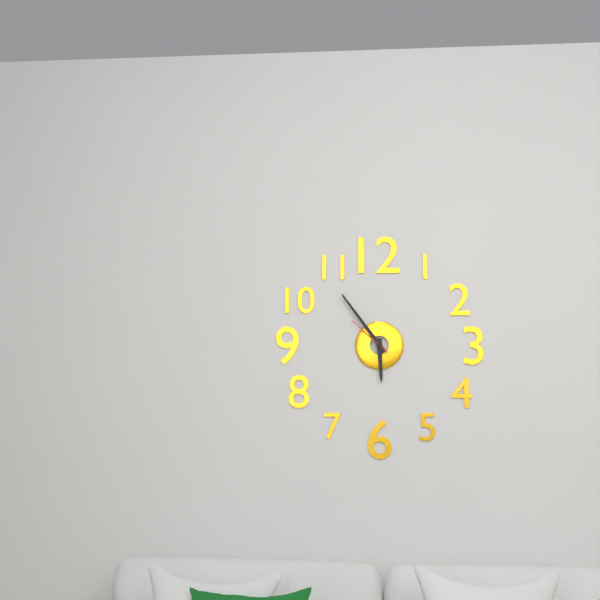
5.54
